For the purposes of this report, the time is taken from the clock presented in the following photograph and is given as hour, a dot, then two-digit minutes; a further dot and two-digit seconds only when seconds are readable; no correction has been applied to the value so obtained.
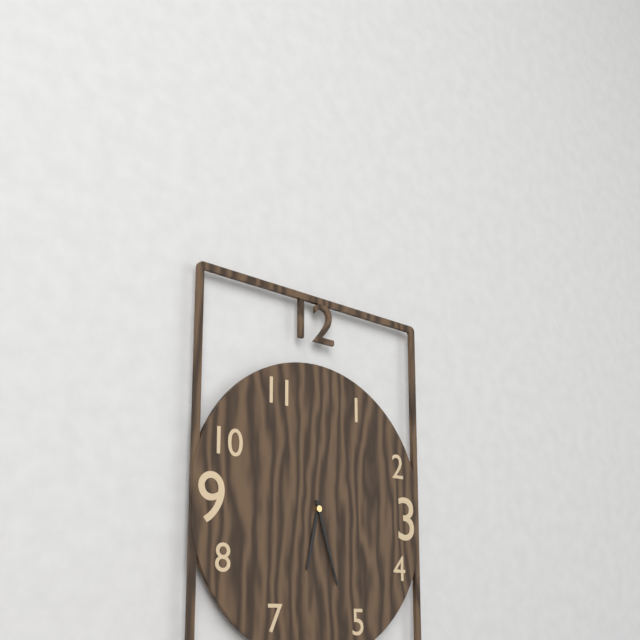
6.27
